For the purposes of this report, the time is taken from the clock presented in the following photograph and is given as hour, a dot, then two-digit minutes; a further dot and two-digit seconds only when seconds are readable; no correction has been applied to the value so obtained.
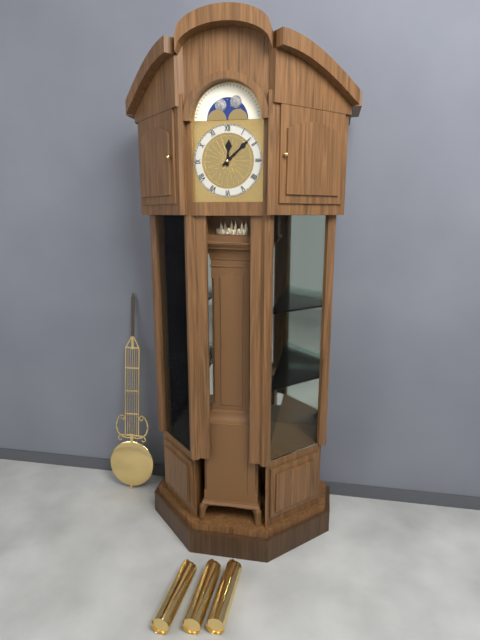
12.08
